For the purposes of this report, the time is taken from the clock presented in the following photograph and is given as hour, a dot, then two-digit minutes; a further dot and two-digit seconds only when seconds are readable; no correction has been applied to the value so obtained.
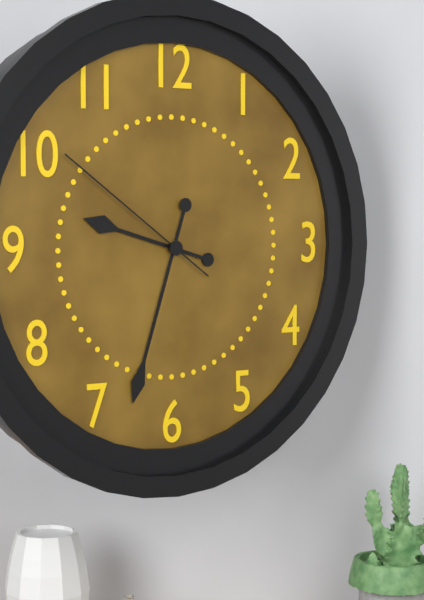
9.33.51
